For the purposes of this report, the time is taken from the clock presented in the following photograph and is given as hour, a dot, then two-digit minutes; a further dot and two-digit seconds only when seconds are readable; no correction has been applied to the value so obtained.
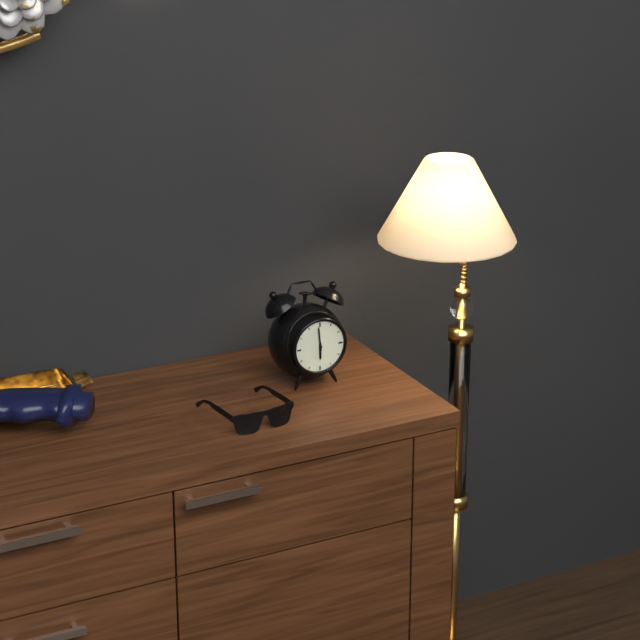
5.59
